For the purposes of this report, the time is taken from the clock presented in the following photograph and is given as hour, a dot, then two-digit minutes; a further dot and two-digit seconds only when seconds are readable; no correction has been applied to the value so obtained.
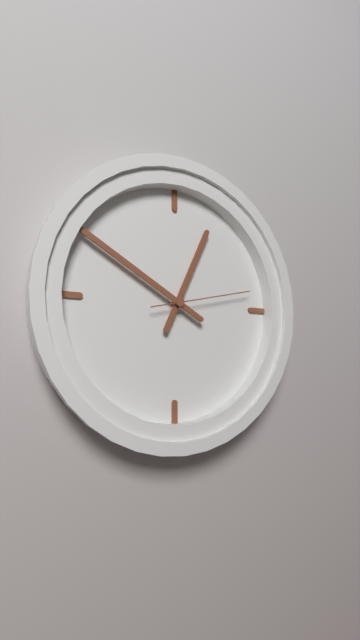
12.50.13
